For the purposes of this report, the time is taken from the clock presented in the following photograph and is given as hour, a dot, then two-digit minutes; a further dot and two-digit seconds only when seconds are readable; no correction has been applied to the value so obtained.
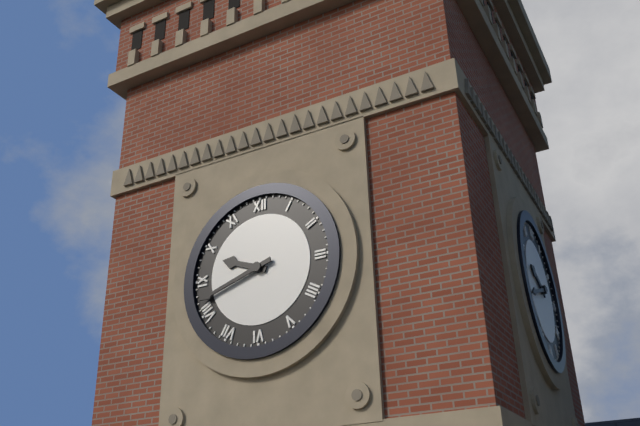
9.42
